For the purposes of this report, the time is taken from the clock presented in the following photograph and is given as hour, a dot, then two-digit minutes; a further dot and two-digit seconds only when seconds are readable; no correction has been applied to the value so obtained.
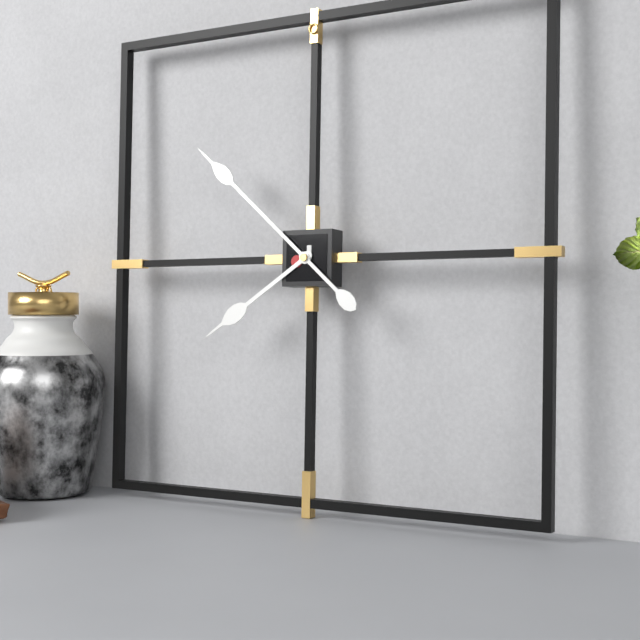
7.52
